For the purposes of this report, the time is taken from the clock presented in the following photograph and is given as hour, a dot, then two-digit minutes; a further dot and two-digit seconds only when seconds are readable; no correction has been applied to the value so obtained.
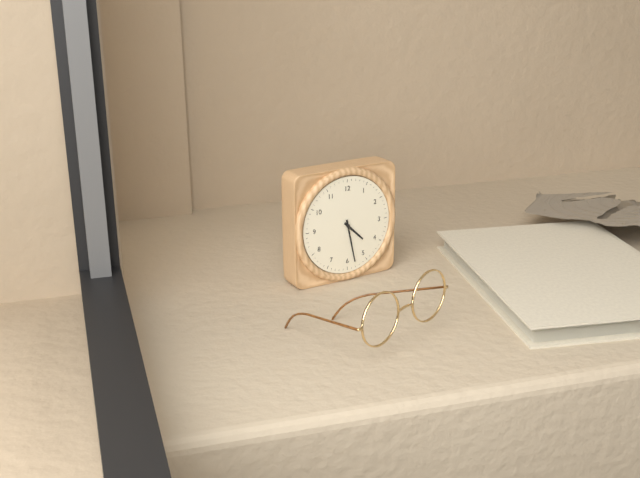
4.28
